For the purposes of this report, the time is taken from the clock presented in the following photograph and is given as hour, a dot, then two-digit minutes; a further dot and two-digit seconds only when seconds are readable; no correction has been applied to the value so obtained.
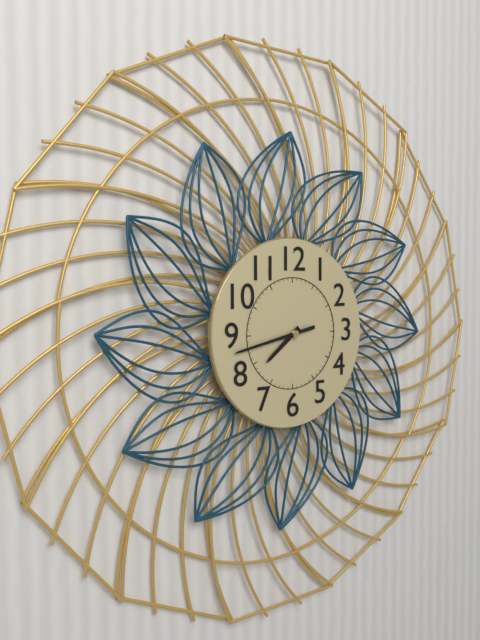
7.43
